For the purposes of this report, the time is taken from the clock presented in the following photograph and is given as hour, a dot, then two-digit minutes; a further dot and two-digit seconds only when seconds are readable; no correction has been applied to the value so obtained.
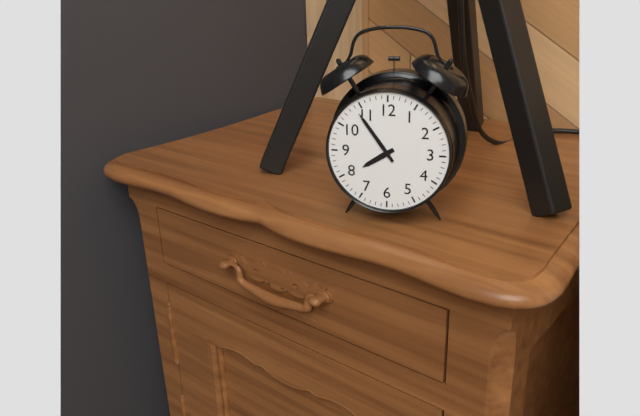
7.54
